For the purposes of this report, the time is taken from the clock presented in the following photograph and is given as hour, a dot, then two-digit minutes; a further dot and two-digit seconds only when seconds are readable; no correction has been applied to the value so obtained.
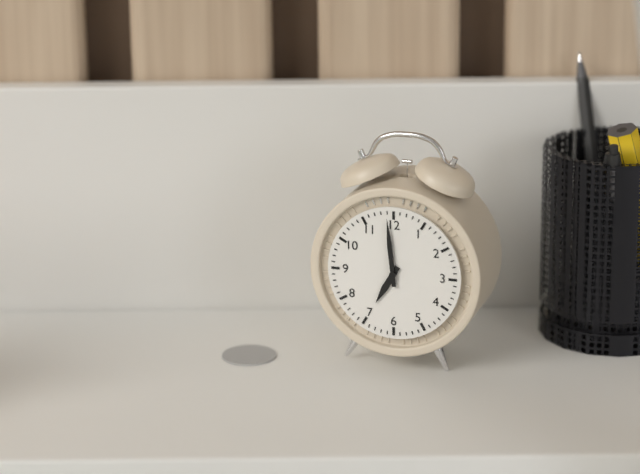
6.59
